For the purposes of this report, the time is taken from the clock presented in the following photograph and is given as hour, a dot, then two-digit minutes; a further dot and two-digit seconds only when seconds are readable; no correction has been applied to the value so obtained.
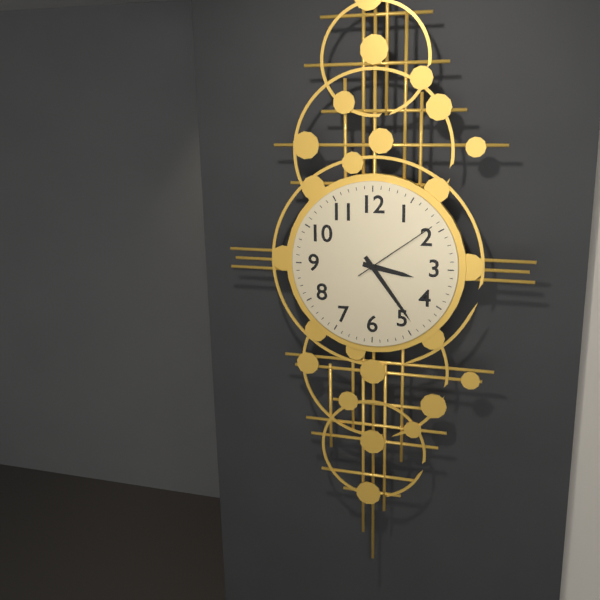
3.24.09
